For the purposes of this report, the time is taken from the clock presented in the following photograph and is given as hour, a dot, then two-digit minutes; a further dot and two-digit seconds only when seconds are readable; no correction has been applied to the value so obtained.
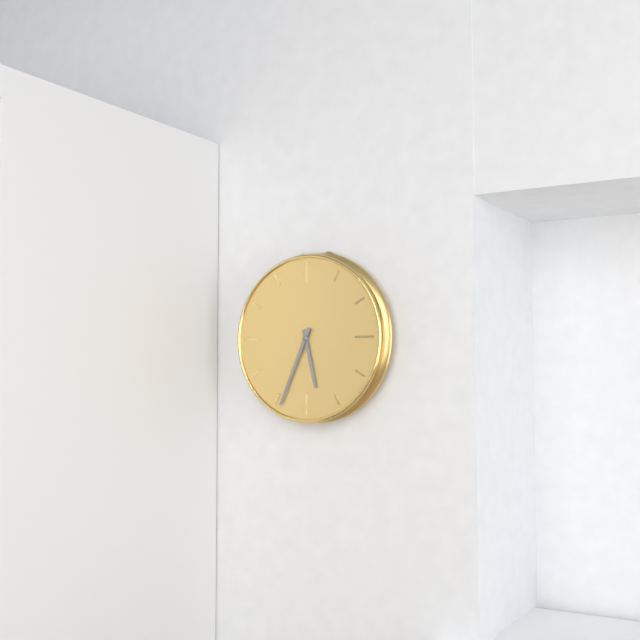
5.34
